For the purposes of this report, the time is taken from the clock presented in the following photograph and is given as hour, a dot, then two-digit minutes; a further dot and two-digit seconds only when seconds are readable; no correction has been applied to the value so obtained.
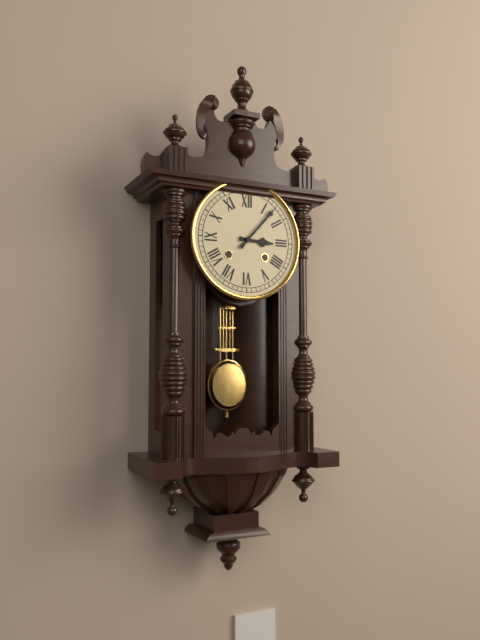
3.07
